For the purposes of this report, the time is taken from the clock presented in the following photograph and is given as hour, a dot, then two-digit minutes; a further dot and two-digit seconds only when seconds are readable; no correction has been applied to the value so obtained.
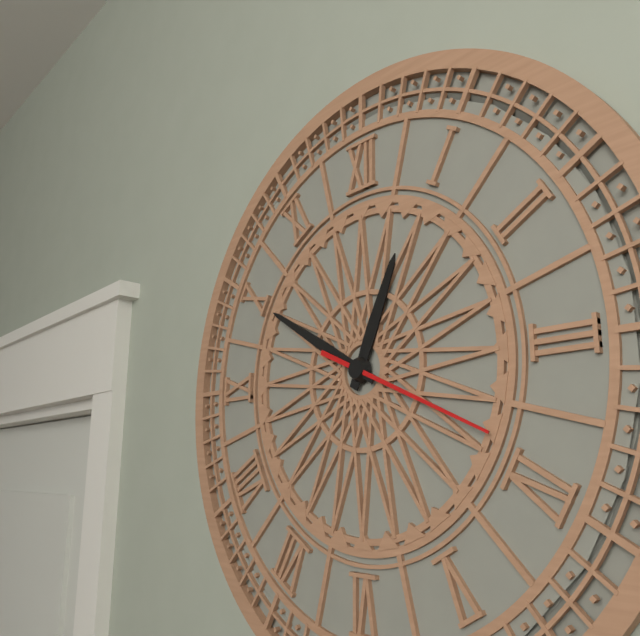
12.50.19
